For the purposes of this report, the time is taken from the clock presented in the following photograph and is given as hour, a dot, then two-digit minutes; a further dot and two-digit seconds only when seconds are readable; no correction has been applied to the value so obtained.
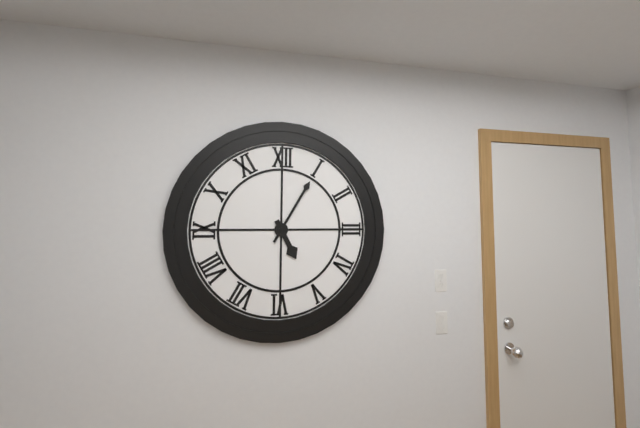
5.05
